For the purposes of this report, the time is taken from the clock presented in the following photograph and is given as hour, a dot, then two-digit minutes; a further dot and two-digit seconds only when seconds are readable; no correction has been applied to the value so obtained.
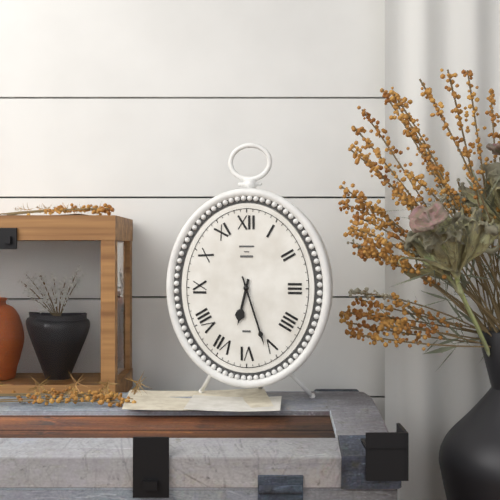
6.27
